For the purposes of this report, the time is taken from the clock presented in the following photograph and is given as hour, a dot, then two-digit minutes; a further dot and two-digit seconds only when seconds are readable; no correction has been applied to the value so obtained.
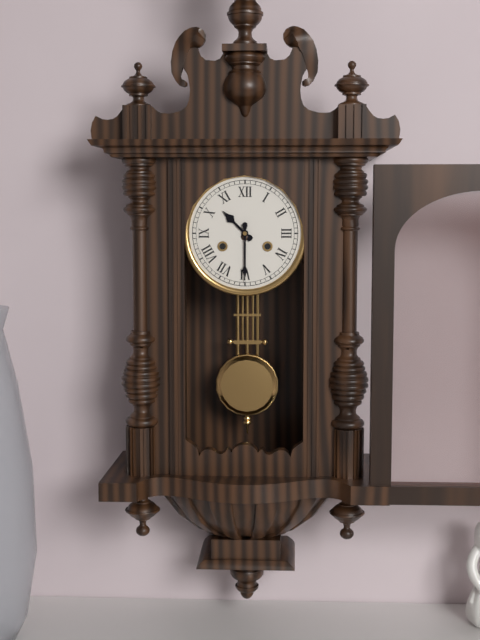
10.30
